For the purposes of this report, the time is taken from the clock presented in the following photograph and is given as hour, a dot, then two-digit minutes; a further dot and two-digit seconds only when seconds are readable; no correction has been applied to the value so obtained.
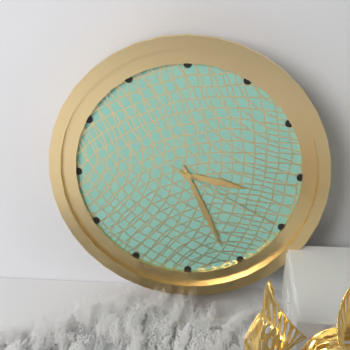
3.26.20
